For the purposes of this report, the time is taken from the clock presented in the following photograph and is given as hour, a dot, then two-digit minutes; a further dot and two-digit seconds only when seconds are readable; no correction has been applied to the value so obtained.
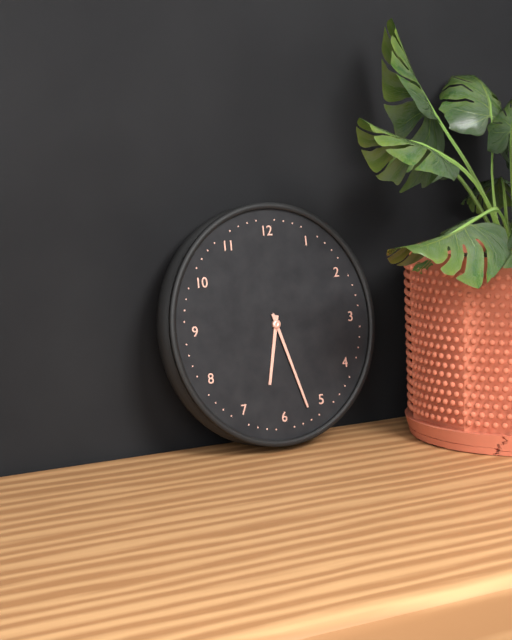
6.27
